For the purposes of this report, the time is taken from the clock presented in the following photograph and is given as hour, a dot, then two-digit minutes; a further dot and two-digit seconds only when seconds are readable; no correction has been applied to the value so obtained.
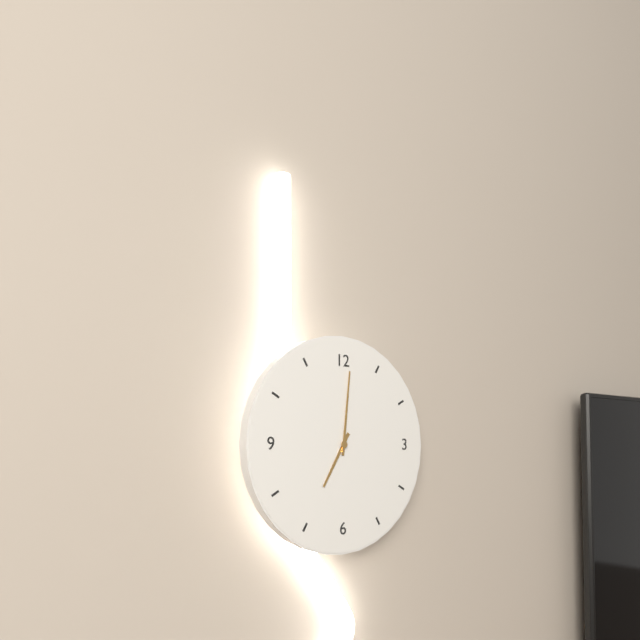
7.01
